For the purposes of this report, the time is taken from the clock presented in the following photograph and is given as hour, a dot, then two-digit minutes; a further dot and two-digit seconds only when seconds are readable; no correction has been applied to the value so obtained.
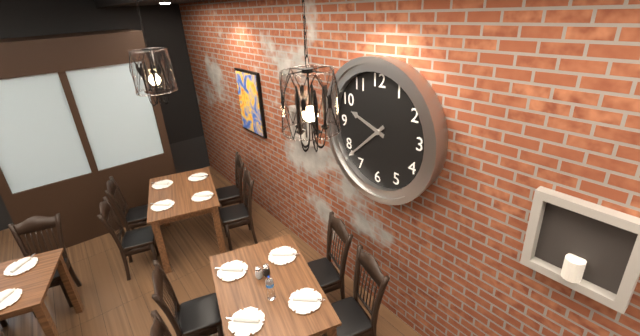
9.38
